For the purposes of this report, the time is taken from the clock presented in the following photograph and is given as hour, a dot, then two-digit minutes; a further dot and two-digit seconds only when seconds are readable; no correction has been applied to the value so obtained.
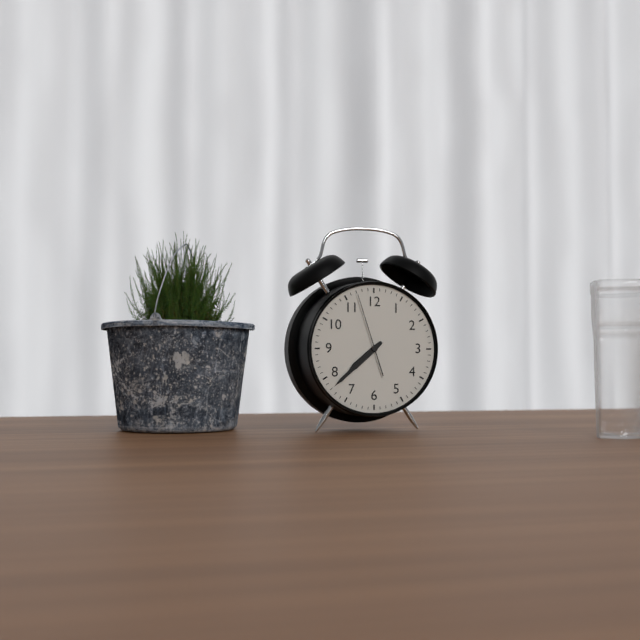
7.38.57
